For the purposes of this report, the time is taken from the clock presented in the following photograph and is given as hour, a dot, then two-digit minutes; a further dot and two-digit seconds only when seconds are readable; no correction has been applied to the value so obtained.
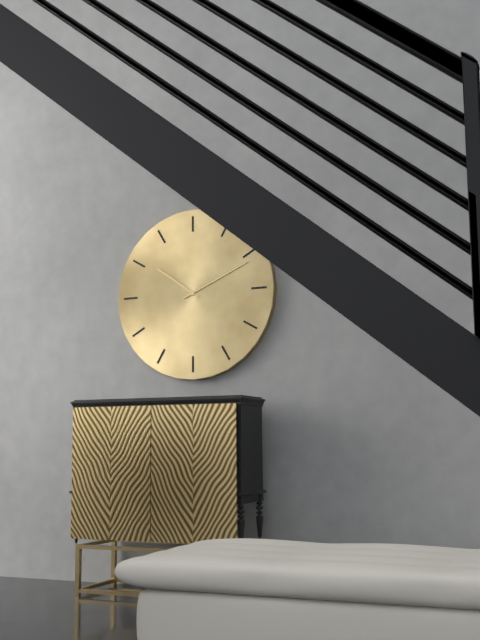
10.11
